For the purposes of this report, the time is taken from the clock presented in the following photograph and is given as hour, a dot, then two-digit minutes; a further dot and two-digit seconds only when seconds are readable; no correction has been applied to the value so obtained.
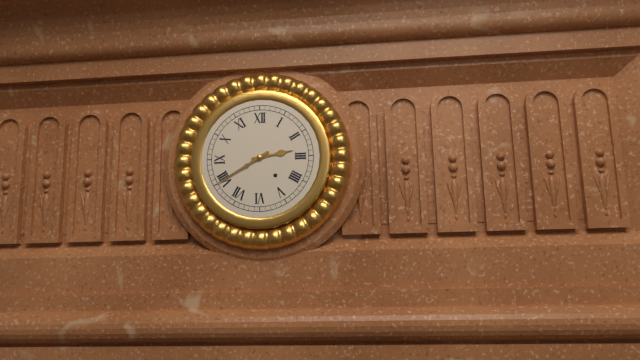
2.40
